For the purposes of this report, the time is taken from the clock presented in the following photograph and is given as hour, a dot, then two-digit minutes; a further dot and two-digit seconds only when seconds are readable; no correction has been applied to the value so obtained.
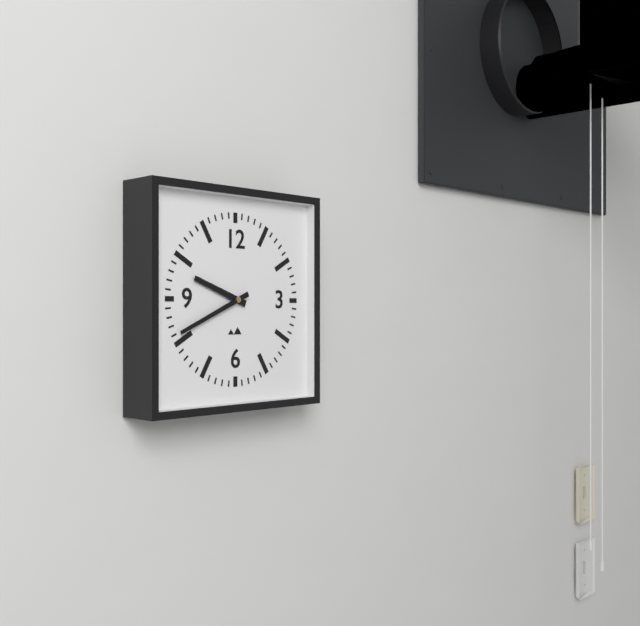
9.41
